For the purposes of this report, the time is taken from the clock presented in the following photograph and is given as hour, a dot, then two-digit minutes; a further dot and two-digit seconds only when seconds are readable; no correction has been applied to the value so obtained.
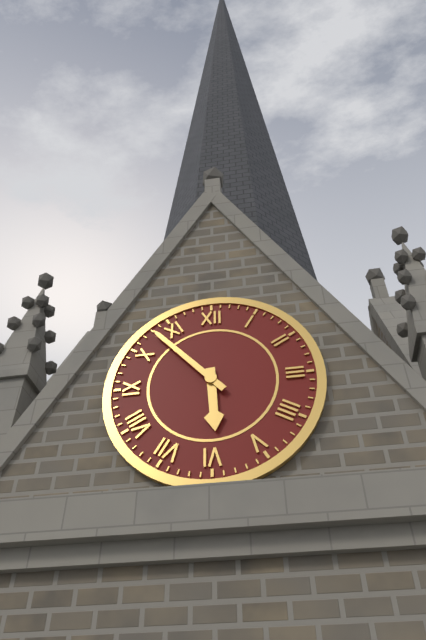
5.53
